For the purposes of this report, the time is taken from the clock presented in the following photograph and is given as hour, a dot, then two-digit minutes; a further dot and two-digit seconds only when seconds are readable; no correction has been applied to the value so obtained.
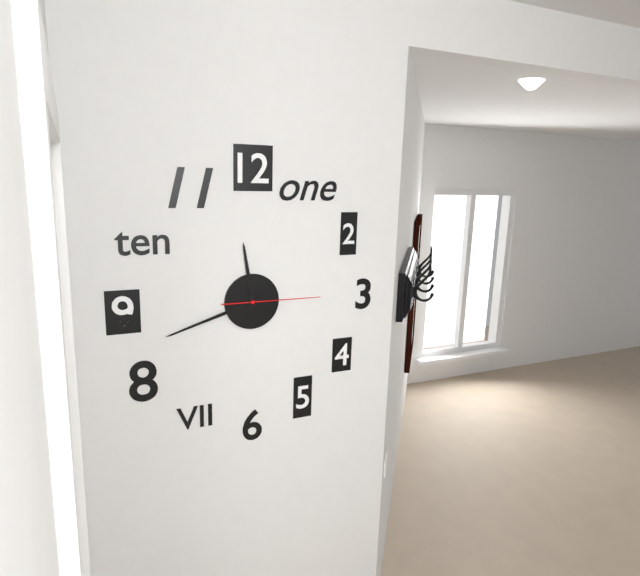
11.42.15
